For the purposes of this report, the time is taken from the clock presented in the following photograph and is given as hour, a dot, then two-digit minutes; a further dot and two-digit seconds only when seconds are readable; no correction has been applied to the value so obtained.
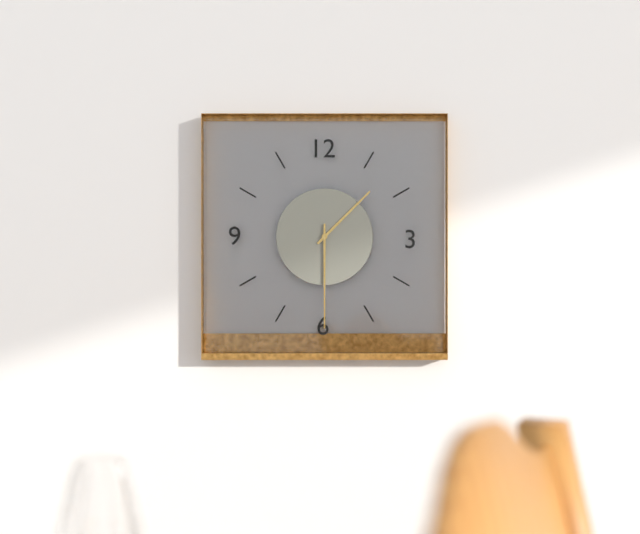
1.30
